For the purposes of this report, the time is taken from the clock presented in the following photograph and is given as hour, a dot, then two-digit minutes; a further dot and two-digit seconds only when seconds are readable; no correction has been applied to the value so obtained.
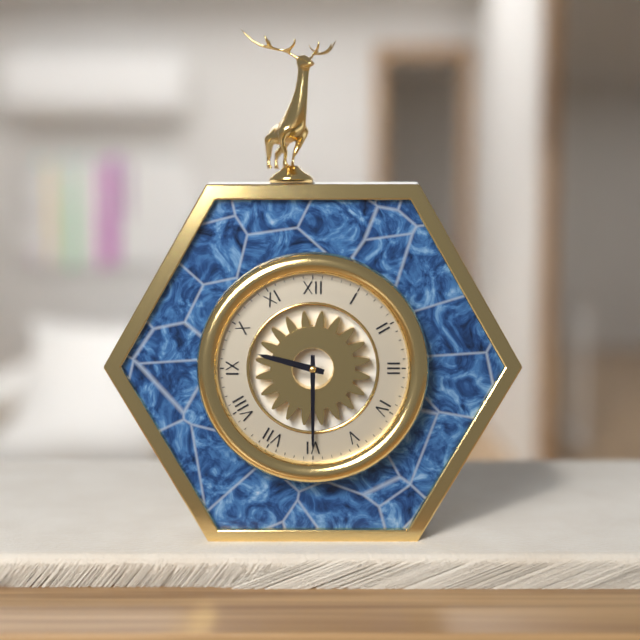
9.30
